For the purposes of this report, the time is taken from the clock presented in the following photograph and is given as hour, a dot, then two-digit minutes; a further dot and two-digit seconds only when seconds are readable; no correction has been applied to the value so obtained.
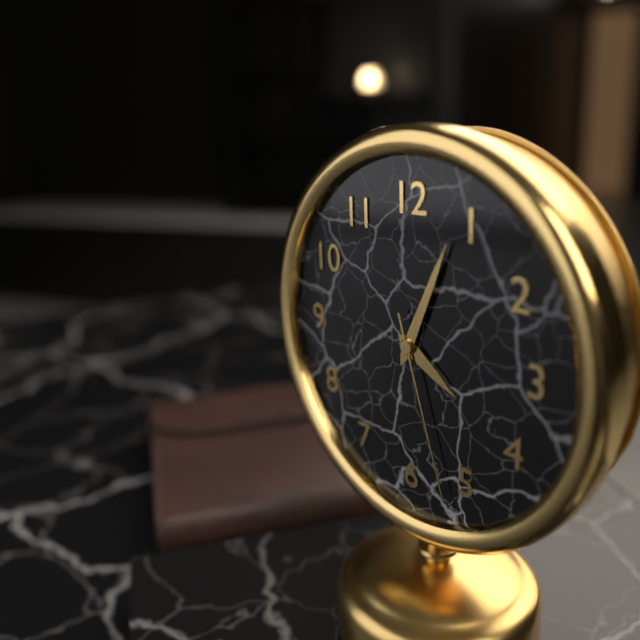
4.04.27
